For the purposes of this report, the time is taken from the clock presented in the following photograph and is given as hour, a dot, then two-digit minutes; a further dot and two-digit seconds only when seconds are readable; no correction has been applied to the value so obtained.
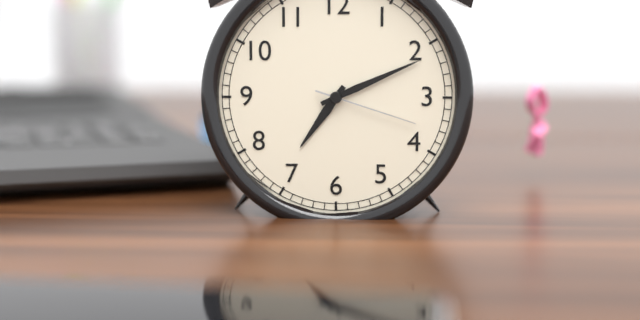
7.11.18
